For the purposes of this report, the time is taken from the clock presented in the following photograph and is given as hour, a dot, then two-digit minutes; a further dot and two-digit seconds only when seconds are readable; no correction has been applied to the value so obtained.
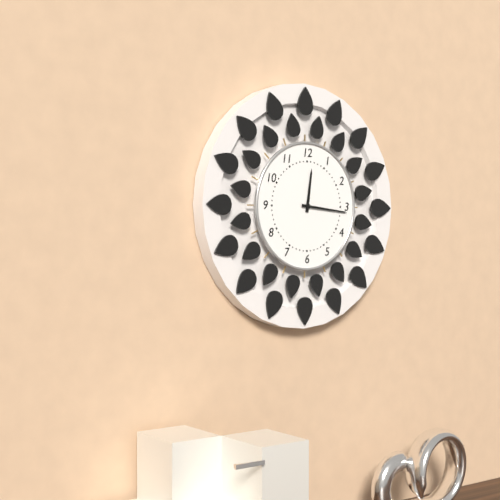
12.16
